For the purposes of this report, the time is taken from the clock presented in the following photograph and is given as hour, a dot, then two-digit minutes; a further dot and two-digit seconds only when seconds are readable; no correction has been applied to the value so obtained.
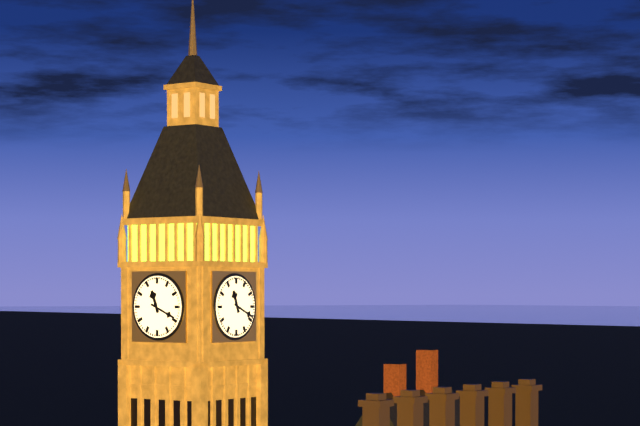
11.19
